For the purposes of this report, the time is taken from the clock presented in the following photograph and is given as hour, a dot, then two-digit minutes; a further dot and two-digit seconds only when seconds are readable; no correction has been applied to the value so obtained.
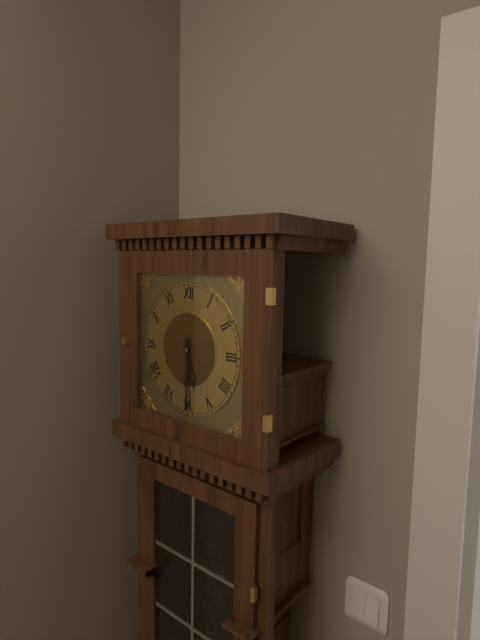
5.30
